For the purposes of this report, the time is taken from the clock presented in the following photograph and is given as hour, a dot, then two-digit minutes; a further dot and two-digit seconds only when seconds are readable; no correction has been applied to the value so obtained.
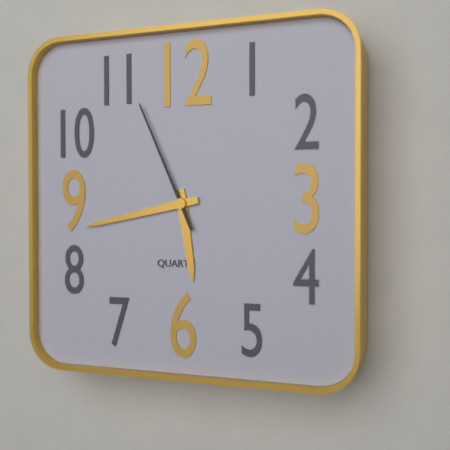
5.43.56
